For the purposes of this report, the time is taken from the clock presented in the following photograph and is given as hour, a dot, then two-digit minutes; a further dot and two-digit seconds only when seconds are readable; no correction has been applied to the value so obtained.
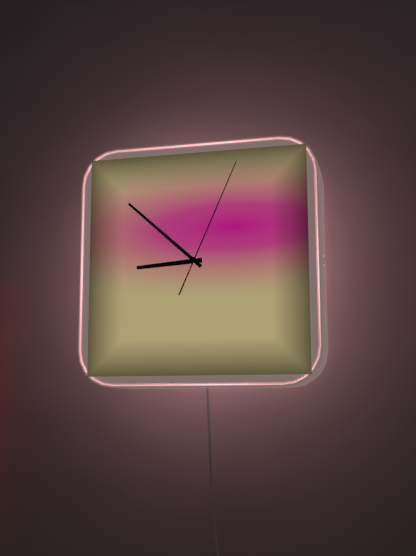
8.52.04
